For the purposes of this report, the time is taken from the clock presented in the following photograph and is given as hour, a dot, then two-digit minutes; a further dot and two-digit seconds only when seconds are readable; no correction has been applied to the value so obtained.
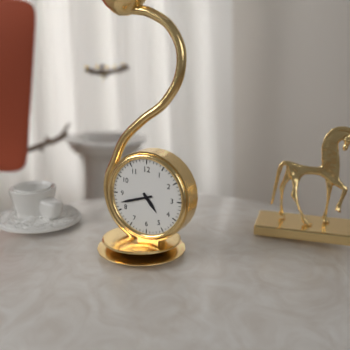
4.42
